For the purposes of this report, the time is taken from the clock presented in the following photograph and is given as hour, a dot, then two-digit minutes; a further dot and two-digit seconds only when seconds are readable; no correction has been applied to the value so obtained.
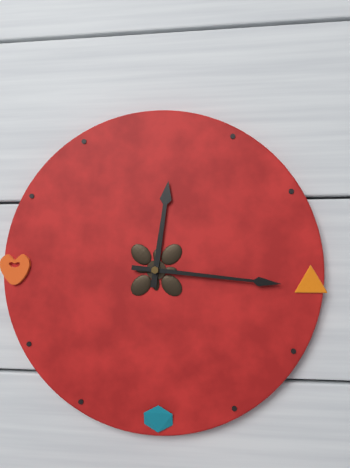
12.16
